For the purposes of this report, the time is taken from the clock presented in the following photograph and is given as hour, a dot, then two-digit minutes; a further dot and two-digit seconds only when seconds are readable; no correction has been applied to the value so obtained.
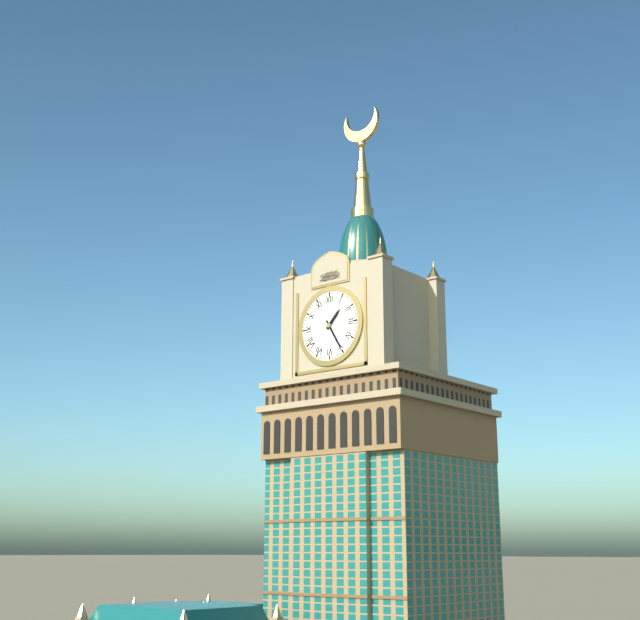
1.25
